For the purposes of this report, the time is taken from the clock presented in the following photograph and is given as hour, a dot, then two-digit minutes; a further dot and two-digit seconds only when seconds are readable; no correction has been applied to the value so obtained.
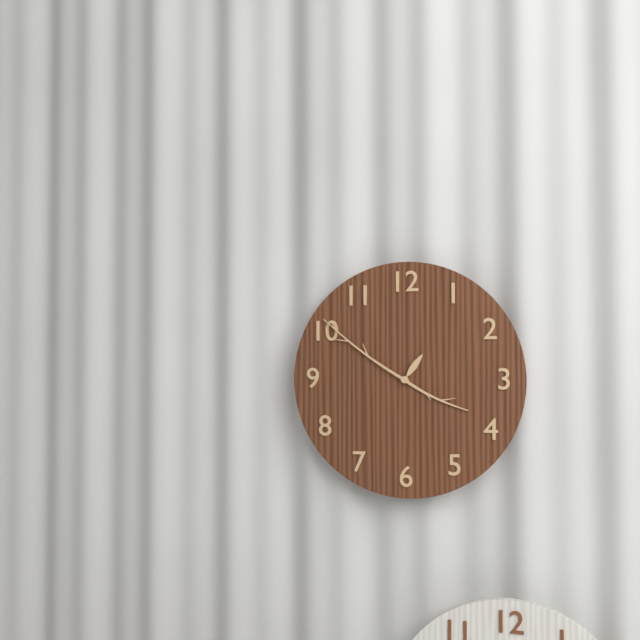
3.51
